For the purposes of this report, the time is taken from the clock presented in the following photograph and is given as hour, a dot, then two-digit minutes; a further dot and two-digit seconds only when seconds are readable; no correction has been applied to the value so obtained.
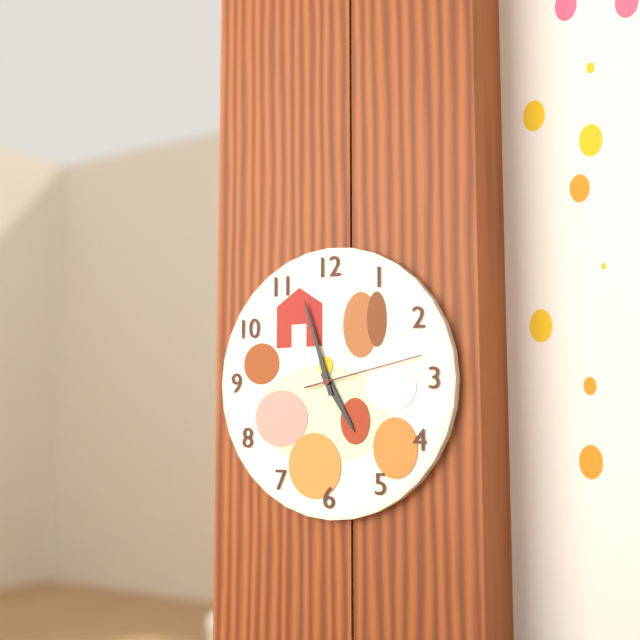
4.57.13
